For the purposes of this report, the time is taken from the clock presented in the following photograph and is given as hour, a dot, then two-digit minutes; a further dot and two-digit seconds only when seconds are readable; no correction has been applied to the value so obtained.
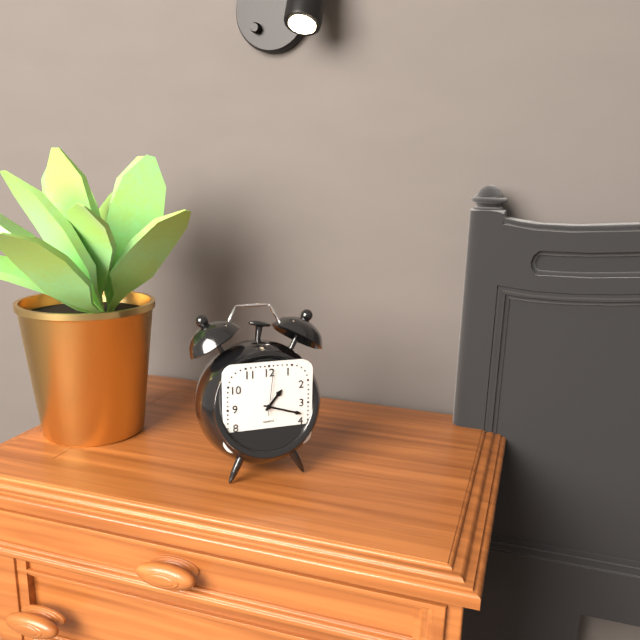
1.18
